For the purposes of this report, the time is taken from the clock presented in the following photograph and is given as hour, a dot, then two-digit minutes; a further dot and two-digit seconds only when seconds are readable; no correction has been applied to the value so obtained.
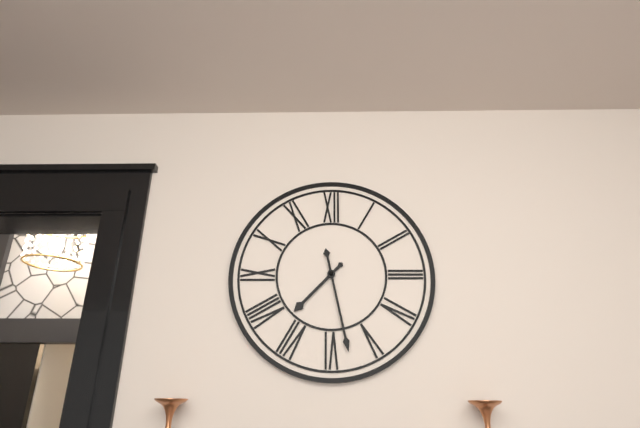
7.28
